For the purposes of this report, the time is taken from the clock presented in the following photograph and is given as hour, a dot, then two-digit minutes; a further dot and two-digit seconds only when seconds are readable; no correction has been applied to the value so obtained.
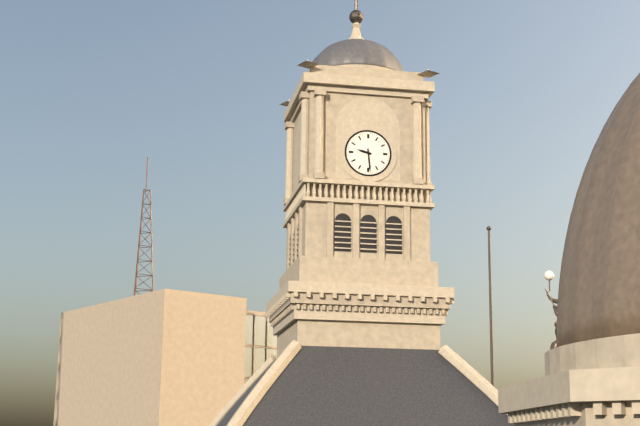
9.29
